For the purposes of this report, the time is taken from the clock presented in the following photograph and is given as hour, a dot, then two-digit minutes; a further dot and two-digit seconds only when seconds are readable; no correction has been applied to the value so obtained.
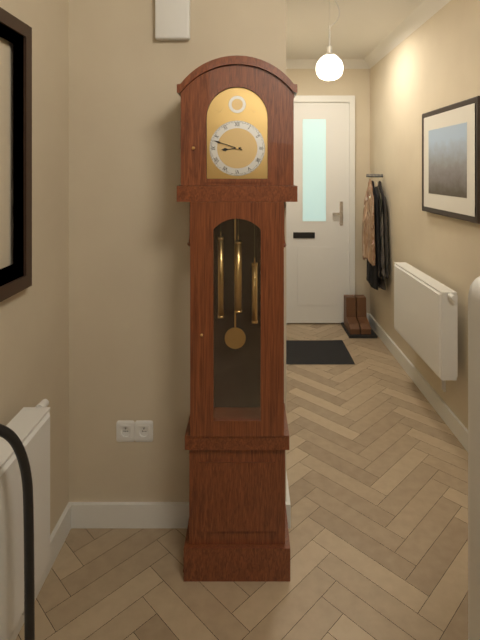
8.48
